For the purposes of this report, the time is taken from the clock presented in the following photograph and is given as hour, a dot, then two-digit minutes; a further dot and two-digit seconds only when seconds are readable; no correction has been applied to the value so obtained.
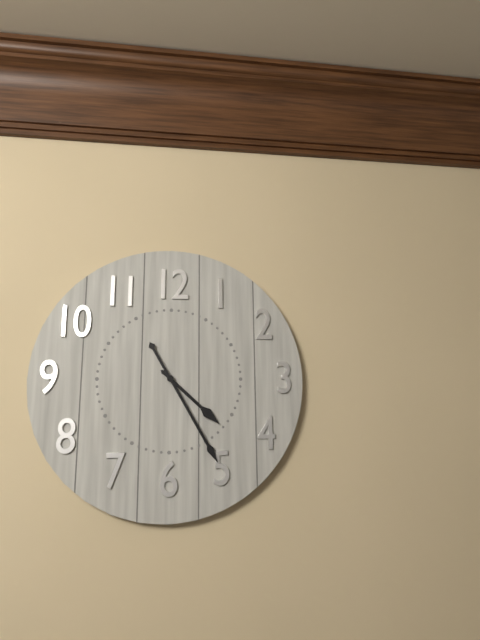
4.25
